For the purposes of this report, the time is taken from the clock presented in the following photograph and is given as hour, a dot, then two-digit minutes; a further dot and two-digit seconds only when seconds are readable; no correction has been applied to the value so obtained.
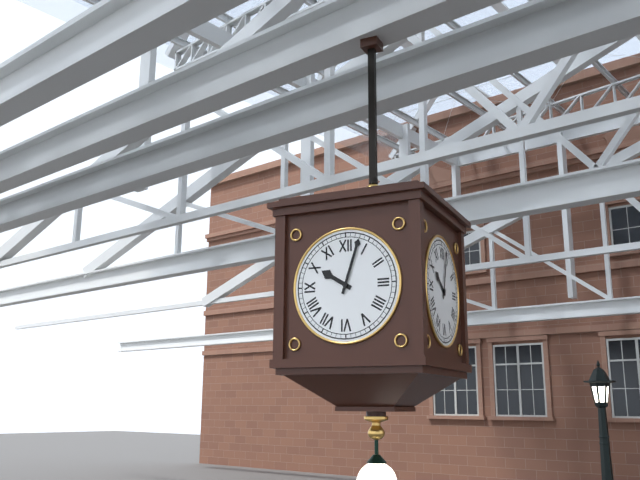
10.03
